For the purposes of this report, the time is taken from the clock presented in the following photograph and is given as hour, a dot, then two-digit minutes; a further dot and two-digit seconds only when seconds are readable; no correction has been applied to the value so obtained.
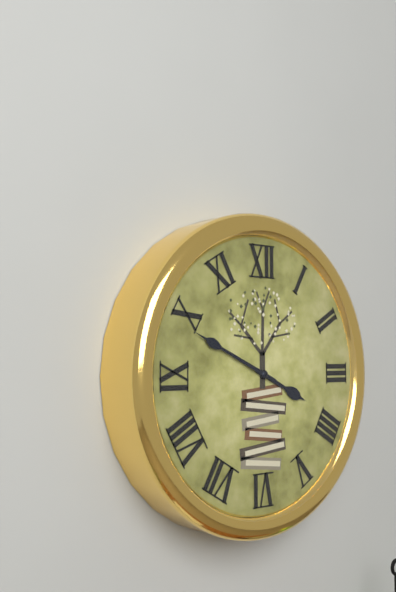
3.49
